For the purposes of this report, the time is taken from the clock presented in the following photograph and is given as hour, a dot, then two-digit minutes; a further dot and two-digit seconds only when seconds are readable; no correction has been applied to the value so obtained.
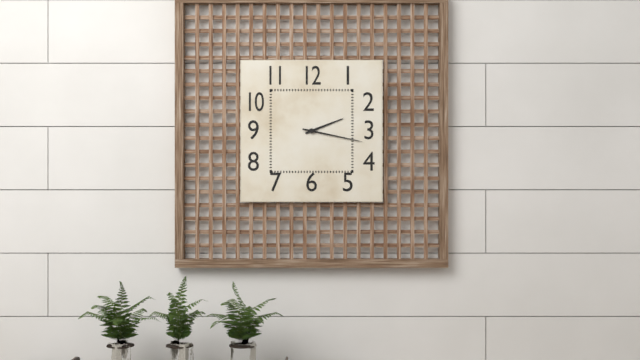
2.17
